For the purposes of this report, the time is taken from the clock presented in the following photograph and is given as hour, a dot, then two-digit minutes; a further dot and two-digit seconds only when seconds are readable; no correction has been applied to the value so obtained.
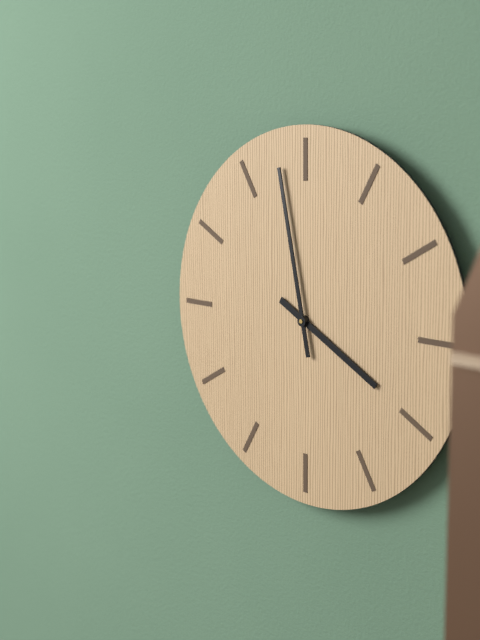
3.58
